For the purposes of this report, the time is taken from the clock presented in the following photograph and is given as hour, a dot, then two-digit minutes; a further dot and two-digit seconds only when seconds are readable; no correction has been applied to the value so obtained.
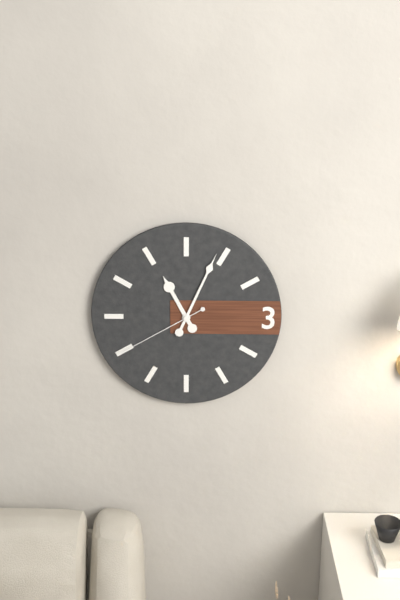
11.04.40
